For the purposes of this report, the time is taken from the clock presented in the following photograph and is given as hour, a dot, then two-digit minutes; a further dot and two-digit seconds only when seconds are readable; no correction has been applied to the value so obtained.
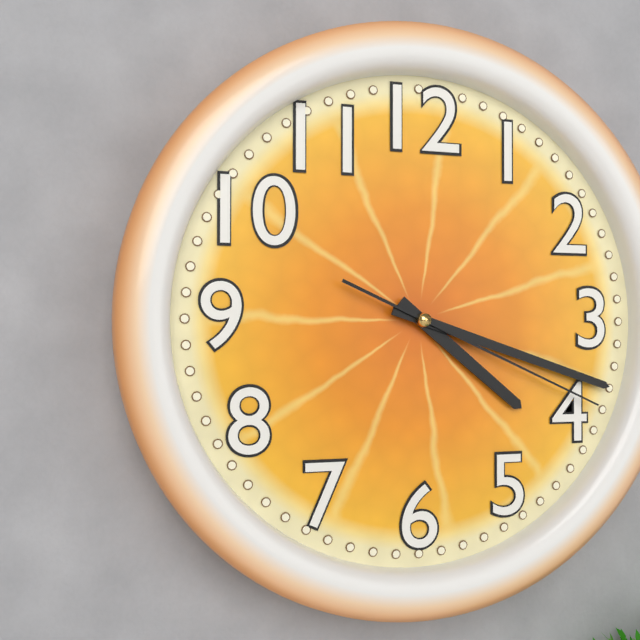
4.18.19
